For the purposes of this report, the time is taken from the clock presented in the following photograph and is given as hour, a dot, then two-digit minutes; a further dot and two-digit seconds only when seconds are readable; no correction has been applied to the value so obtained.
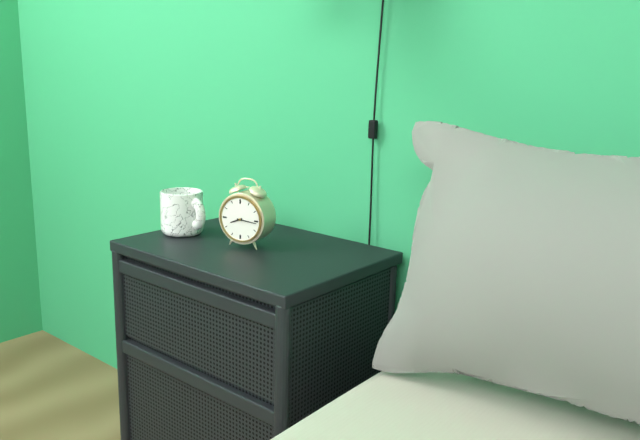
8.16
